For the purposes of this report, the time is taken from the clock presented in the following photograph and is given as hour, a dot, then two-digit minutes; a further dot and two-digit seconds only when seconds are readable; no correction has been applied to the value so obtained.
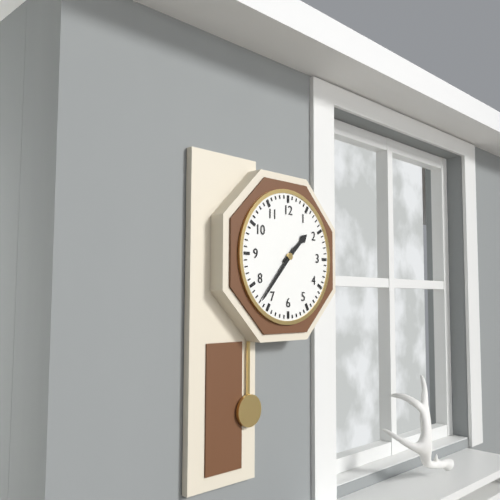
1.37
